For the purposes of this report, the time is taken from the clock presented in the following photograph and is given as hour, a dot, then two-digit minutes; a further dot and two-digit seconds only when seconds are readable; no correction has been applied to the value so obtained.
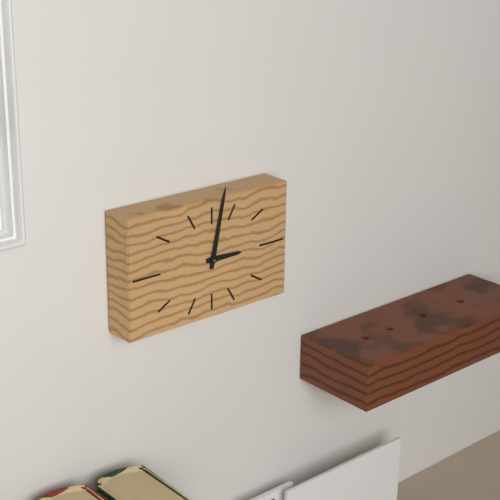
3.02
